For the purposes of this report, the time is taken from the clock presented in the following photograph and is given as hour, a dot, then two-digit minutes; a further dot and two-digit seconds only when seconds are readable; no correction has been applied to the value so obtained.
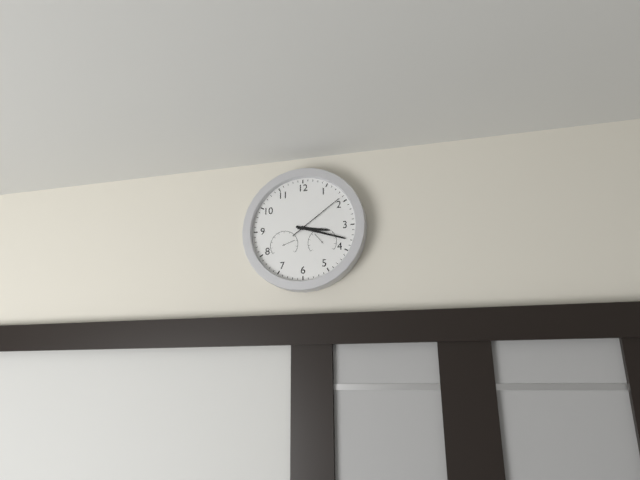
3.18.09
